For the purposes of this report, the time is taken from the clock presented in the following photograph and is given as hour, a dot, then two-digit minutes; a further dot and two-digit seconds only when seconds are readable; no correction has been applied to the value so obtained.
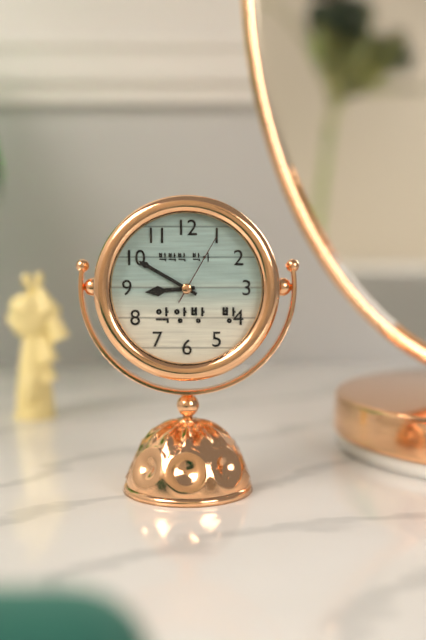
8.50.05
